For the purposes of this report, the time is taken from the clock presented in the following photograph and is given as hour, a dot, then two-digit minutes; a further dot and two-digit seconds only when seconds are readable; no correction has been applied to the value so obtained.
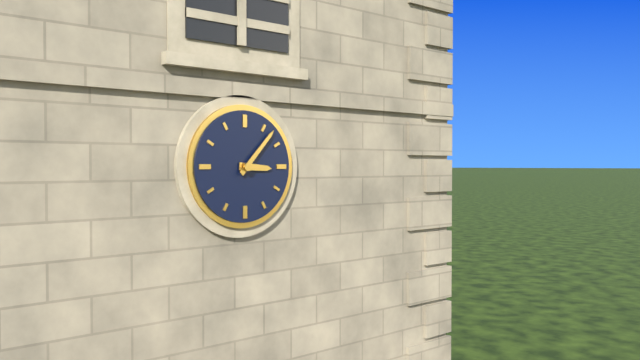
3.07
